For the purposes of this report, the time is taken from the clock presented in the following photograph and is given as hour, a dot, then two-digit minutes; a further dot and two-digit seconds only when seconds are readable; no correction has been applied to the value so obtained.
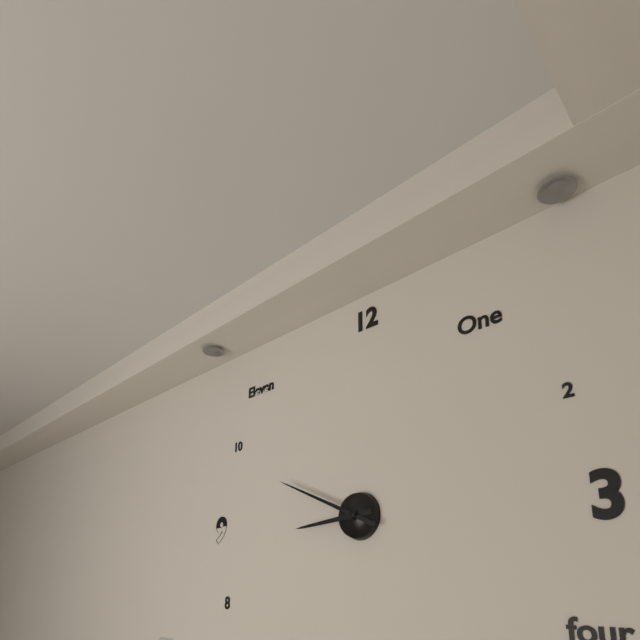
8.49
